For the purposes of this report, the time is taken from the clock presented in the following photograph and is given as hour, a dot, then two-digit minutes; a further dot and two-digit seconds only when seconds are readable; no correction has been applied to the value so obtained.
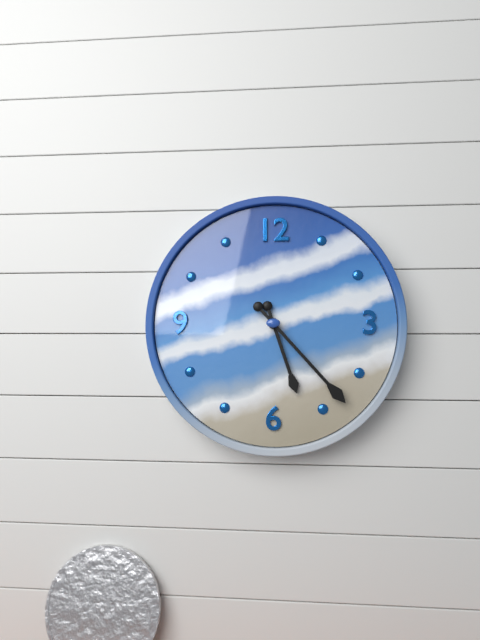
5.23
